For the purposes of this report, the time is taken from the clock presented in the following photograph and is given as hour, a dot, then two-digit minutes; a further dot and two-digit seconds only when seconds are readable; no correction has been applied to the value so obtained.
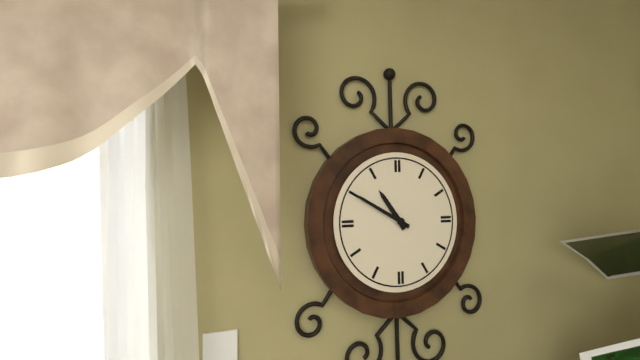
10.50
